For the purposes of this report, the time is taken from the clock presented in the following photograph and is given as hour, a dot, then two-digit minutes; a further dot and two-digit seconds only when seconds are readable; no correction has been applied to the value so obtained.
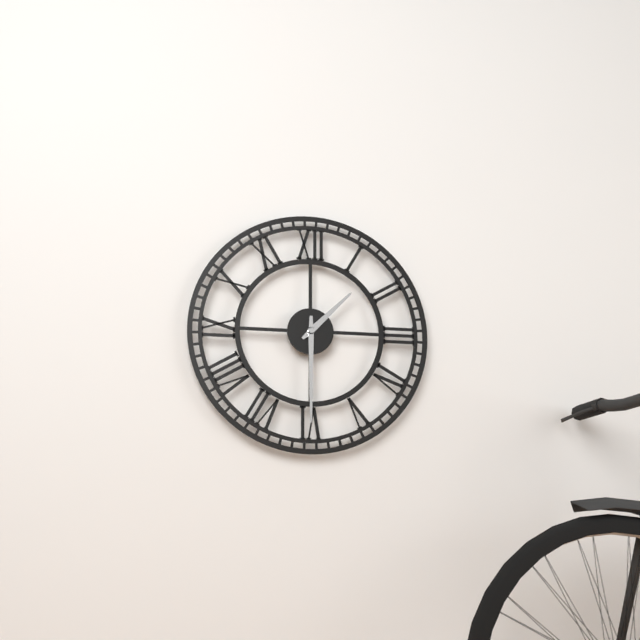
1.30
